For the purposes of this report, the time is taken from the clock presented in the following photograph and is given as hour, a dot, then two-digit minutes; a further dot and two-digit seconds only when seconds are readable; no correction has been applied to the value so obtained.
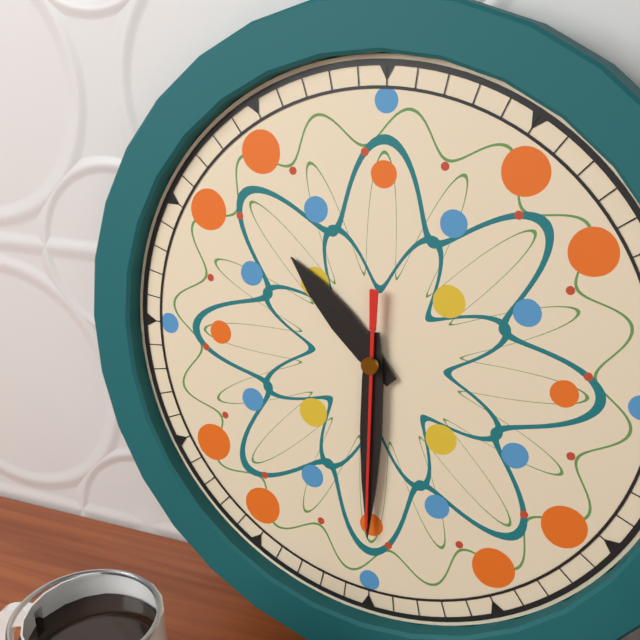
10.30.30
